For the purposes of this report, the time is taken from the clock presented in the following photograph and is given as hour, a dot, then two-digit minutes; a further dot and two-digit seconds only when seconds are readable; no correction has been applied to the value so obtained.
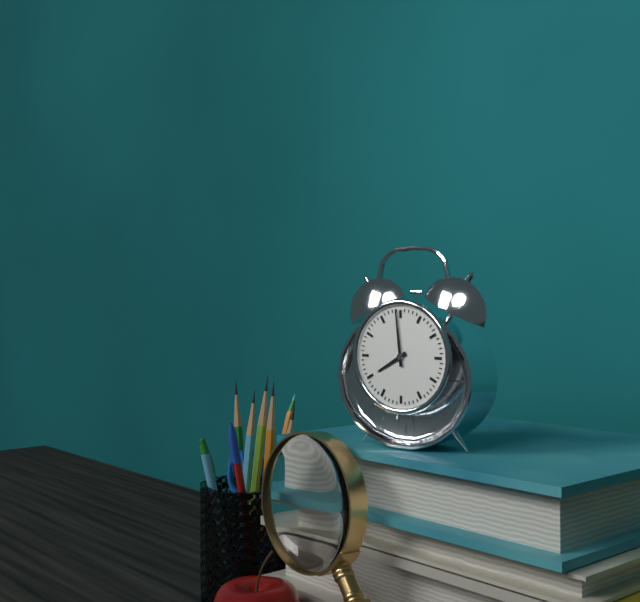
7.59
